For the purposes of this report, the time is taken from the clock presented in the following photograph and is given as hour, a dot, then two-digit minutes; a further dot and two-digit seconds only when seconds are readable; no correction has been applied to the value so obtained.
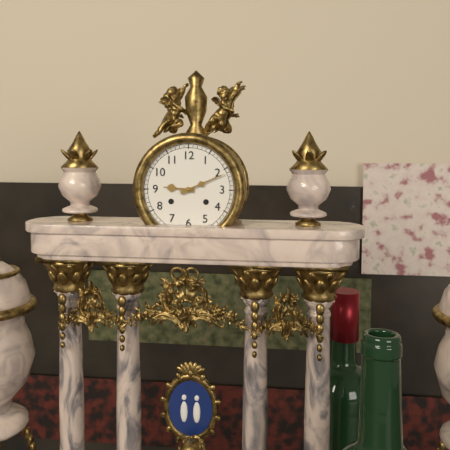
9.11
